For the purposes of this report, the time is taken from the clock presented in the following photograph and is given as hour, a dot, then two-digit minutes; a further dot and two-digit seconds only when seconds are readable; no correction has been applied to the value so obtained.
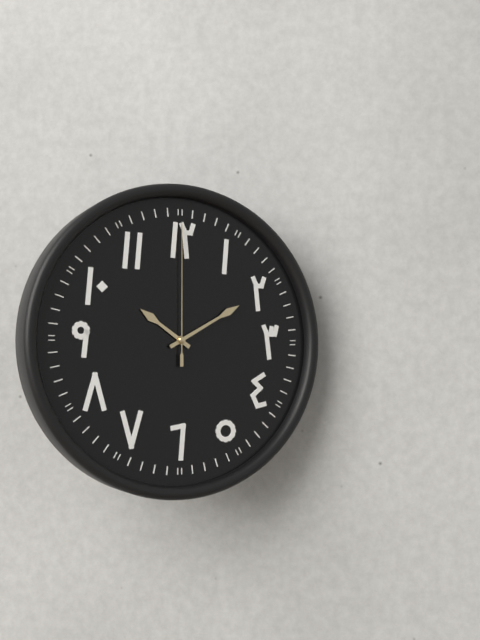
10.10.00
